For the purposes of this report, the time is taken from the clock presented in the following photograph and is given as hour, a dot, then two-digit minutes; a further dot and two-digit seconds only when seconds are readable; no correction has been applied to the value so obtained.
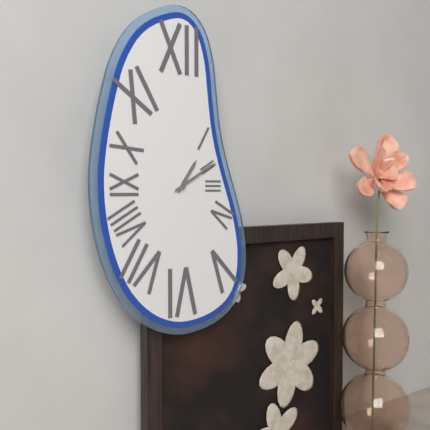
1.10
